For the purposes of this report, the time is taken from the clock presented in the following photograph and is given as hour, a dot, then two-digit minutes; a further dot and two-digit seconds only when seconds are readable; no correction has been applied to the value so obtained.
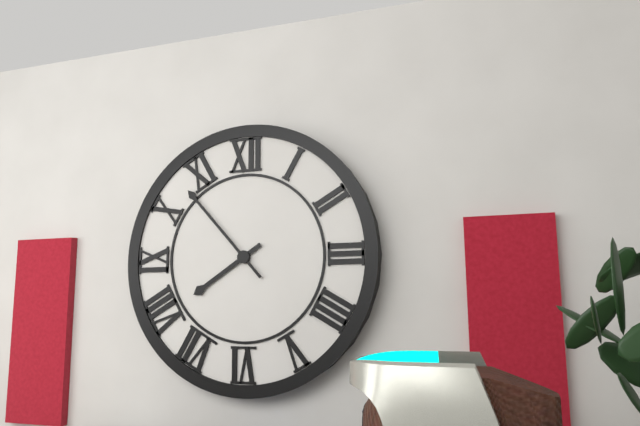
7.53
